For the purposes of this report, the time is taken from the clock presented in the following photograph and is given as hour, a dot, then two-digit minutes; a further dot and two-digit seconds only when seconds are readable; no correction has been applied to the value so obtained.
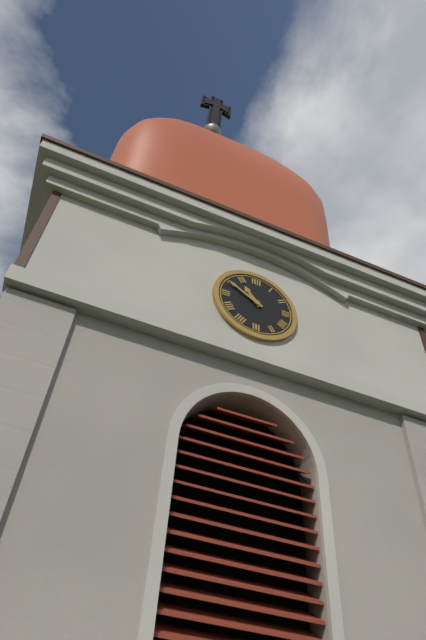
10.50
